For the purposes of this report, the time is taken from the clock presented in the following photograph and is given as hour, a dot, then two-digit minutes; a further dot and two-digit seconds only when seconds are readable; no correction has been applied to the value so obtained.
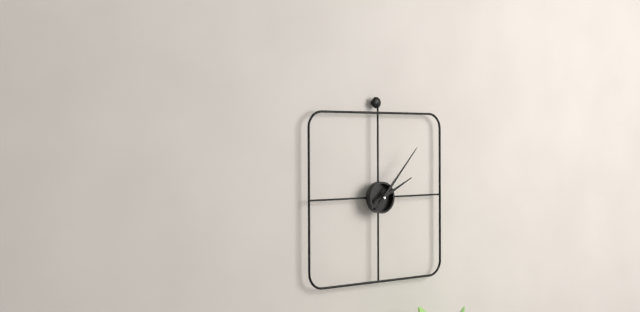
2.07
